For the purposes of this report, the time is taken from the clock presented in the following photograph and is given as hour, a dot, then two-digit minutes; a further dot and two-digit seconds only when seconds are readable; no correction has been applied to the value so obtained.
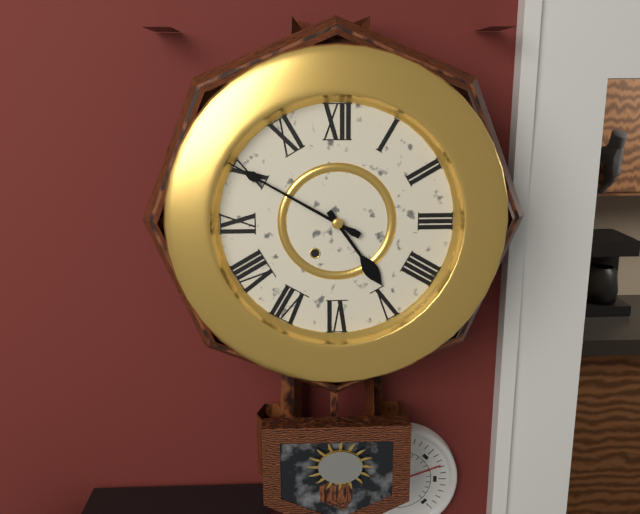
4.50
